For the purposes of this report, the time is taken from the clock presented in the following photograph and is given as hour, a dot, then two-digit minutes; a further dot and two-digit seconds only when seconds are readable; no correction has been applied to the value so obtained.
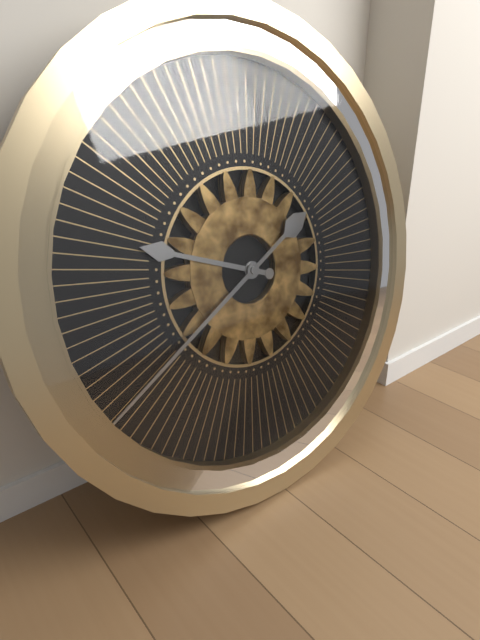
9.40
